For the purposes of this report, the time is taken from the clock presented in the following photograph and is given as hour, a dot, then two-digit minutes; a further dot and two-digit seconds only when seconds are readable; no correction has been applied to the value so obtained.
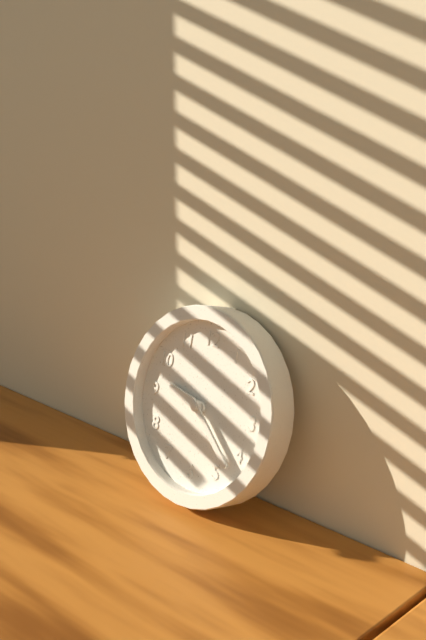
9.22
